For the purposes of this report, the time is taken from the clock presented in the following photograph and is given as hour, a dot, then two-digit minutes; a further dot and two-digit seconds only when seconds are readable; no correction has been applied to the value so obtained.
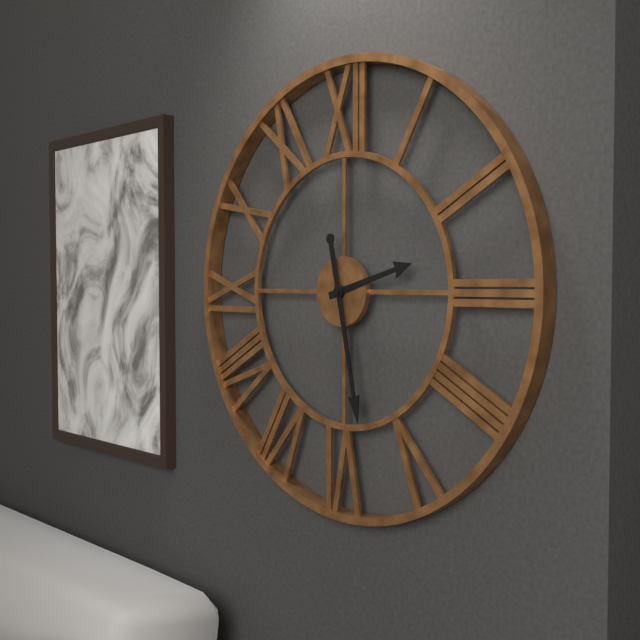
2.28
